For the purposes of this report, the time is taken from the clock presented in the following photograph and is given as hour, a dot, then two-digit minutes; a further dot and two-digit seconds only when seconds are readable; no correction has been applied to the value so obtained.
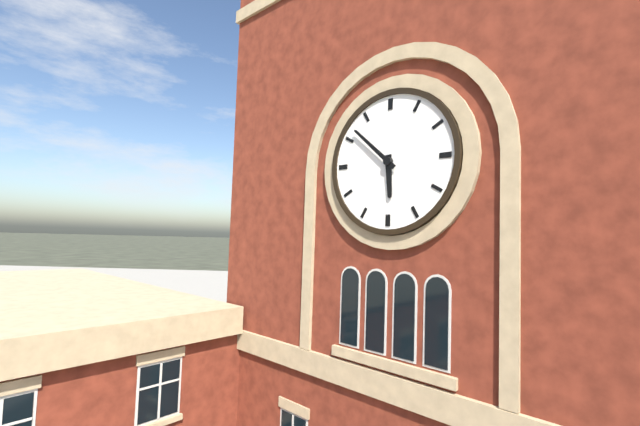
5.52
